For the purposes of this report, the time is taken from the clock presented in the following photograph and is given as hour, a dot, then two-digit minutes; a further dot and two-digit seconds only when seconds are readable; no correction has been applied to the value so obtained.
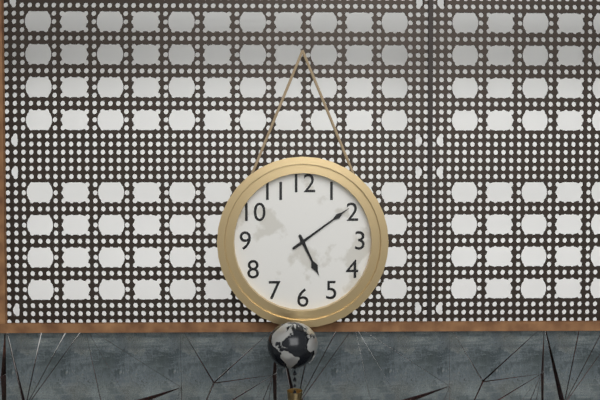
5.09
